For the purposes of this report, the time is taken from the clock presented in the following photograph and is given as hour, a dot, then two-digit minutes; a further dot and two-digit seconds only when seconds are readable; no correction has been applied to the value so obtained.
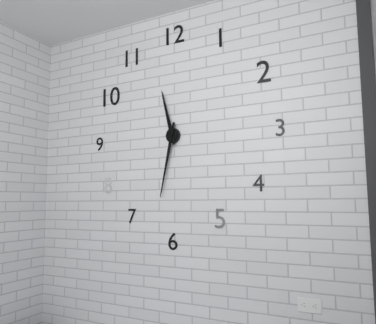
11.32
